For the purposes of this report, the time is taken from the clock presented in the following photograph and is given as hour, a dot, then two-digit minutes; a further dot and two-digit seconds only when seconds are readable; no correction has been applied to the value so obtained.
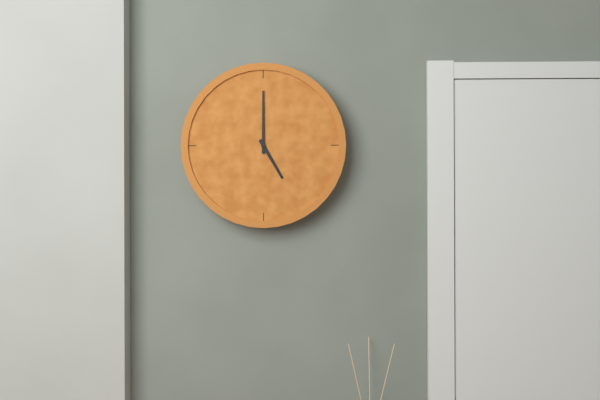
5.00
